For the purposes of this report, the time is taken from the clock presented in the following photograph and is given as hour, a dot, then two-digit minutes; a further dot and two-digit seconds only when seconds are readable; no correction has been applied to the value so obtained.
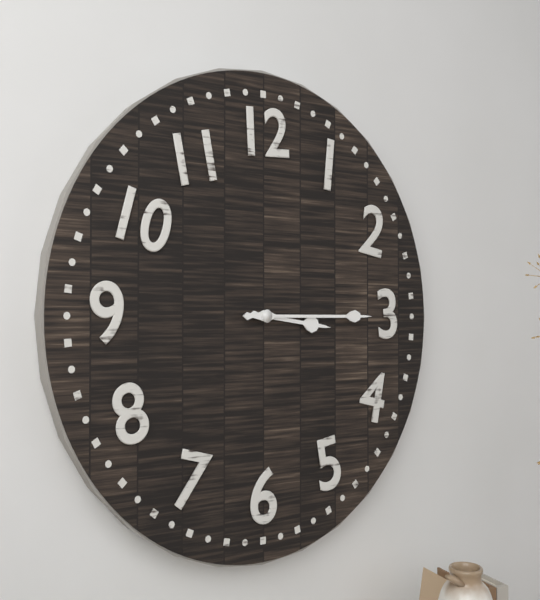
3.15
